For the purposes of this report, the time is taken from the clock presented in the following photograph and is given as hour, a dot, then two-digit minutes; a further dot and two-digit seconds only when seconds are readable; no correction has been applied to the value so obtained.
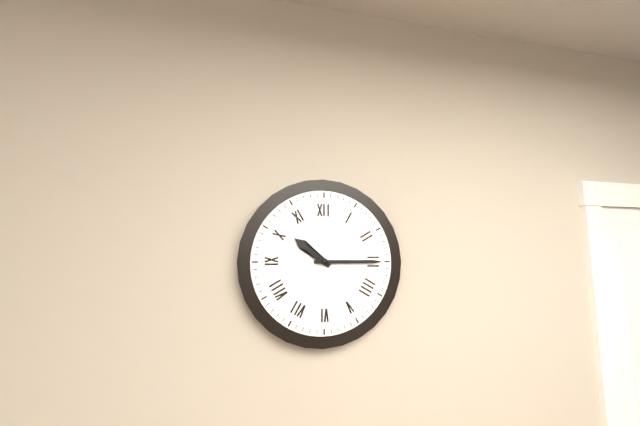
10.15
